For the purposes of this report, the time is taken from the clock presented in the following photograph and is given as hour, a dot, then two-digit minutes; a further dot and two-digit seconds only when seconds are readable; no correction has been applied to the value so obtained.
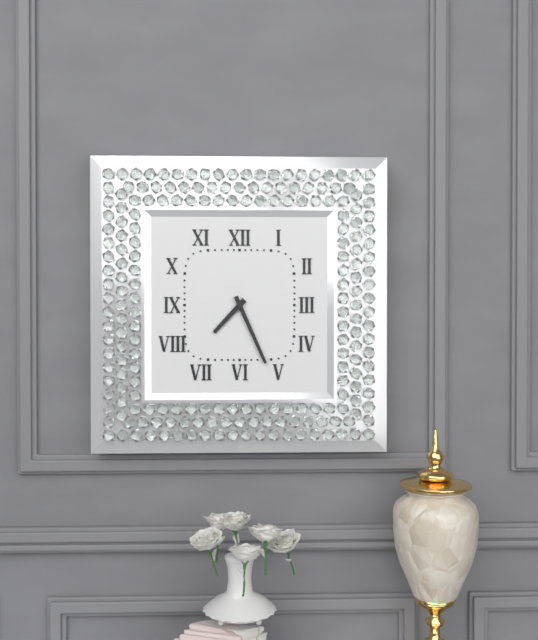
7.26
